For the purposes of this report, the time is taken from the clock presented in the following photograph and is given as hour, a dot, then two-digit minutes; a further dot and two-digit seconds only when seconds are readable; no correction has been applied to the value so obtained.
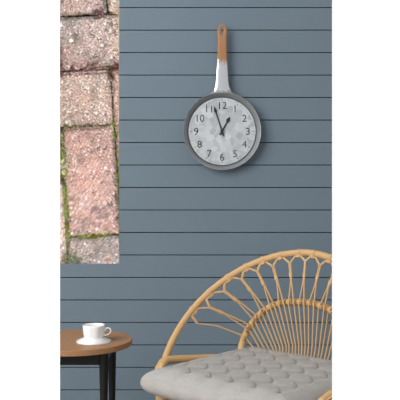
12.57
